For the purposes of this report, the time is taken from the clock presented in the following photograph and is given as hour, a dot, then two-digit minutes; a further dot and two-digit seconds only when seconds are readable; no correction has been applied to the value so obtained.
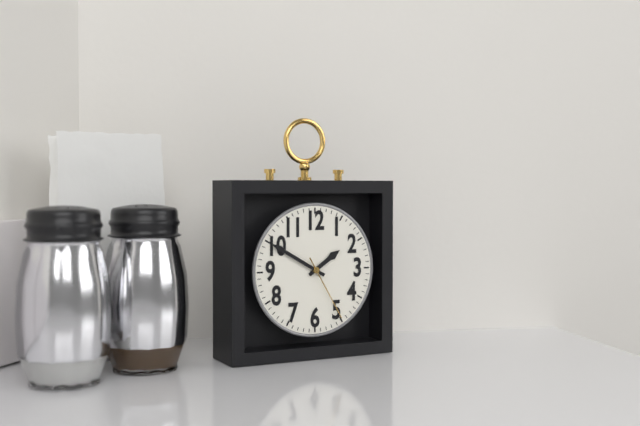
1.50.25
